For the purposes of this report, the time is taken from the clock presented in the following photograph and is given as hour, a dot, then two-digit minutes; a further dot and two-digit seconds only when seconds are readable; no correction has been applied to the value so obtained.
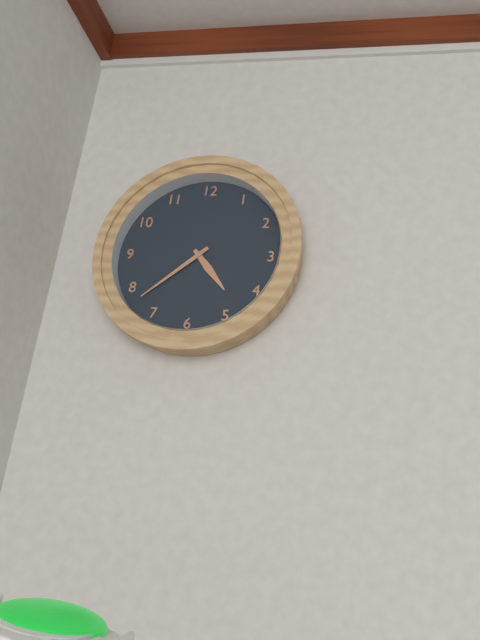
4.38
